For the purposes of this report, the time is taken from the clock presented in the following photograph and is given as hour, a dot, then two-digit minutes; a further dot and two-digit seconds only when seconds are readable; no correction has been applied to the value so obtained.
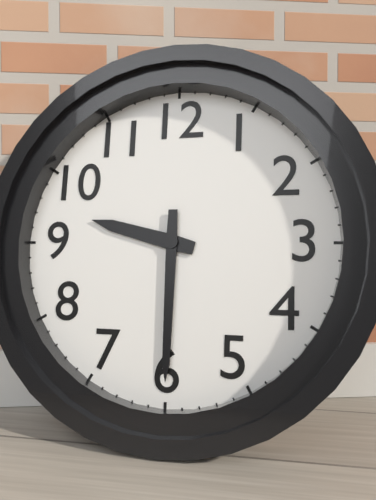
9.30
